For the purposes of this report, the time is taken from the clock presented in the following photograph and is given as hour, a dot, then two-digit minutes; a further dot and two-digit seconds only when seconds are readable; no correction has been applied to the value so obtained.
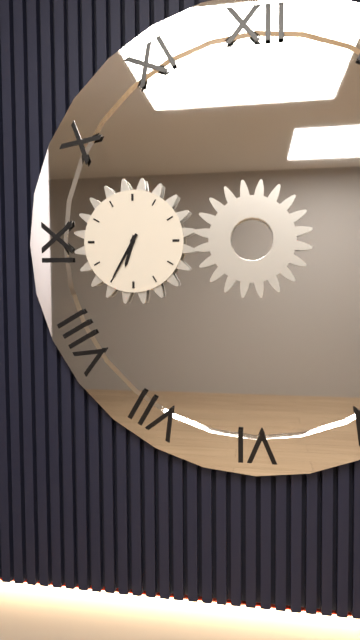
6.35
